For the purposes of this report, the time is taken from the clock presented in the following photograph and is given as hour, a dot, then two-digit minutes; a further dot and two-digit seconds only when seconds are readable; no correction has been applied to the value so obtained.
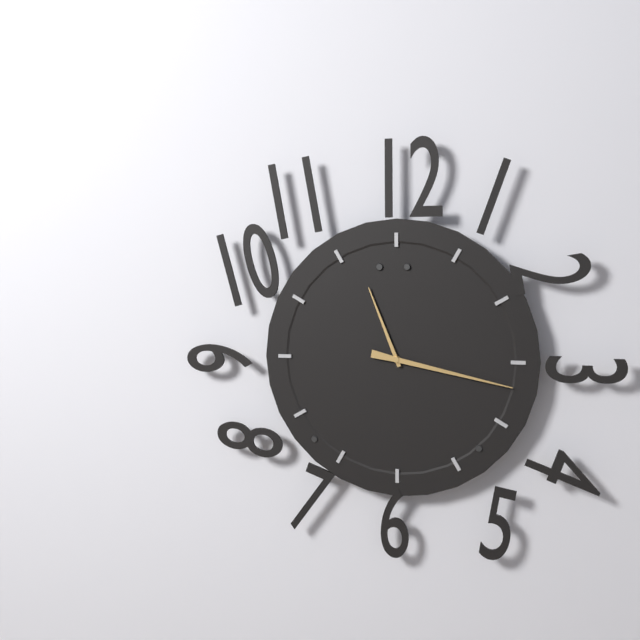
11.17
